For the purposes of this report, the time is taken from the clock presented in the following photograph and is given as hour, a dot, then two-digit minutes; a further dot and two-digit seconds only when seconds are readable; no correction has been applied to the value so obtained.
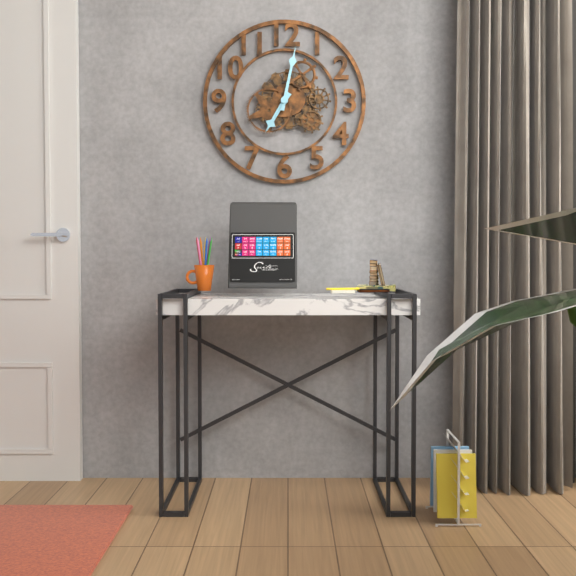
7.02
